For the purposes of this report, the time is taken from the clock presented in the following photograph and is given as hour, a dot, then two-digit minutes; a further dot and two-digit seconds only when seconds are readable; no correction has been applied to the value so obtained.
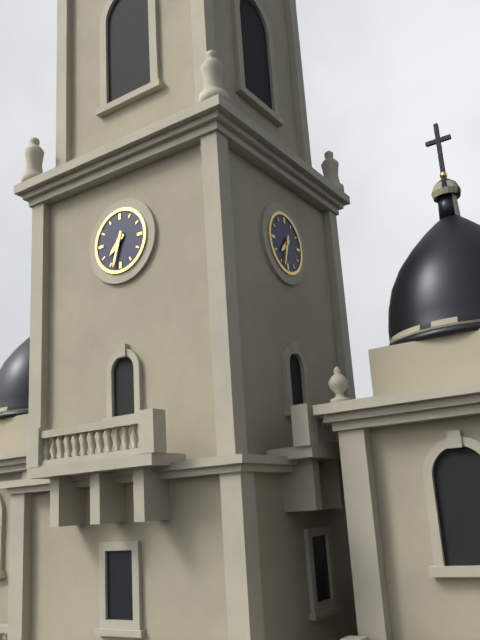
7.33
